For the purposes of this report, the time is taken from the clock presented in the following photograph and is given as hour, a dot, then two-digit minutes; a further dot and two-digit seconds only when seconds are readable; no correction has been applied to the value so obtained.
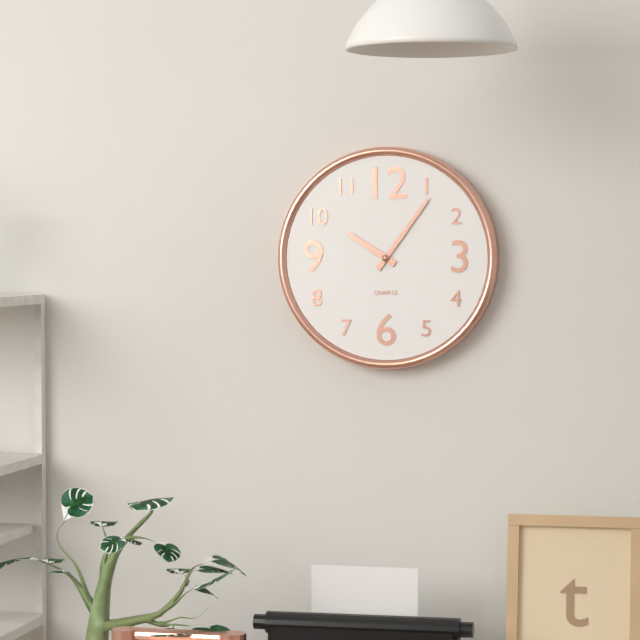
10.06
